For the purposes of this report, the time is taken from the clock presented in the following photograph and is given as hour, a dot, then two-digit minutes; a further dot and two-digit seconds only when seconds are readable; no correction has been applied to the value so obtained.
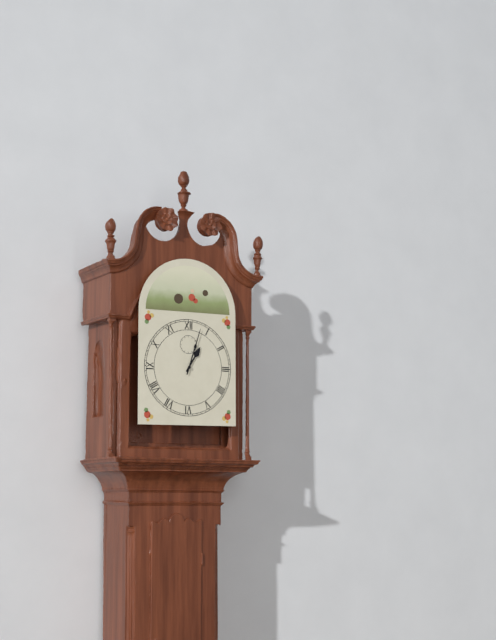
1.03
